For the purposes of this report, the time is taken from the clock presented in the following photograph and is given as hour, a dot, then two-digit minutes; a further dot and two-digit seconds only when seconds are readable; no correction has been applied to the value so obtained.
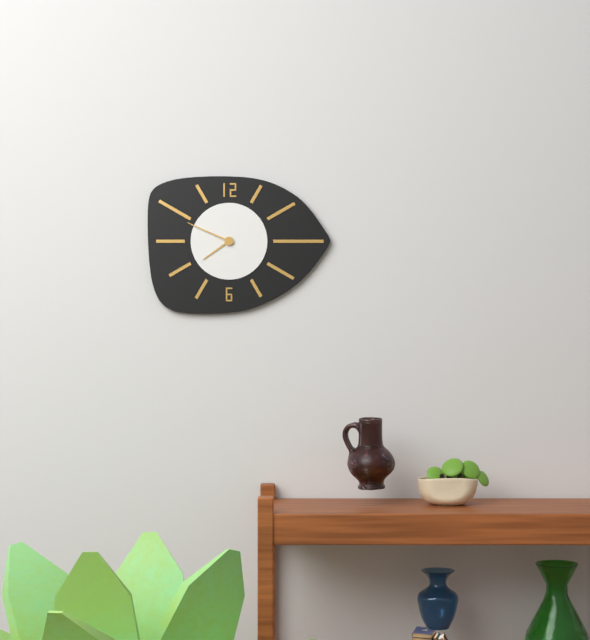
7.49
